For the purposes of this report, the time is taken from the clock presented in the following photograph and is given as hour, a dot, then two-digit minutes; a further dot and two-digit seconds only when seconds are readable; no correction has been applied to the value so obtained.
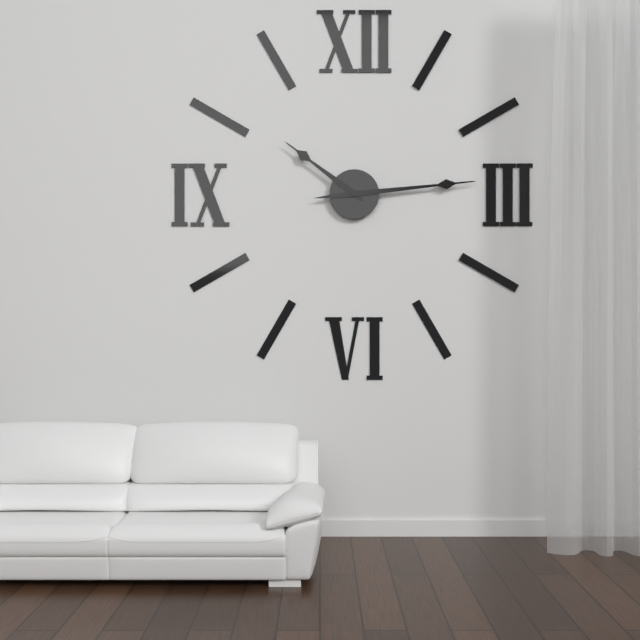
10.14
